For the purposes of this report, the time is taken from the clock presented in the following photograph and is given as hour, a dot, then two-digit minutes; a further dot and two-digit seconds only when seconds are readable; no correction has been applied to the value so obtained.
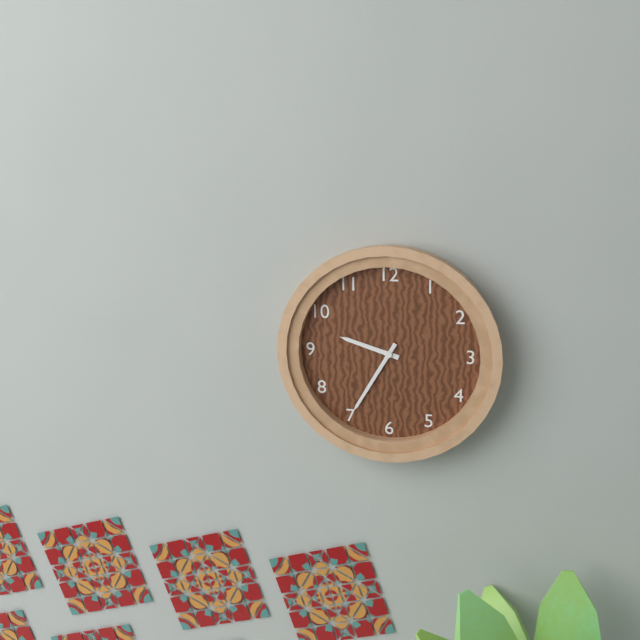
9.35
